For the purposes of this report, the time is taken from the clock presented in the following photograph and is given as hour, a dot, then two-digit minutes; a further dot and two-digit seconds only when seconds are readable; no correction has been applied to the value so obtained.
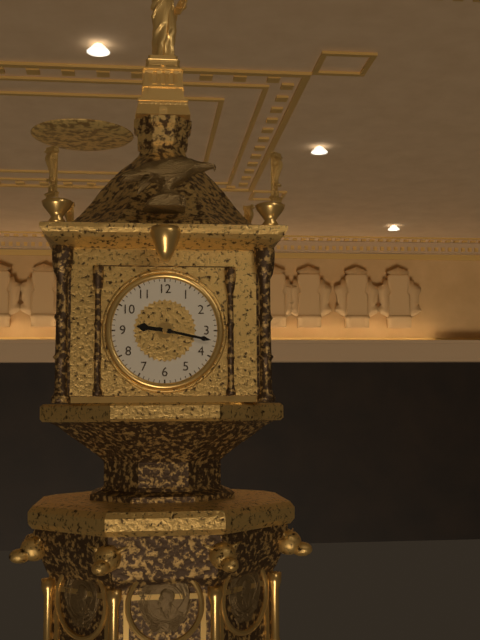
9.17
